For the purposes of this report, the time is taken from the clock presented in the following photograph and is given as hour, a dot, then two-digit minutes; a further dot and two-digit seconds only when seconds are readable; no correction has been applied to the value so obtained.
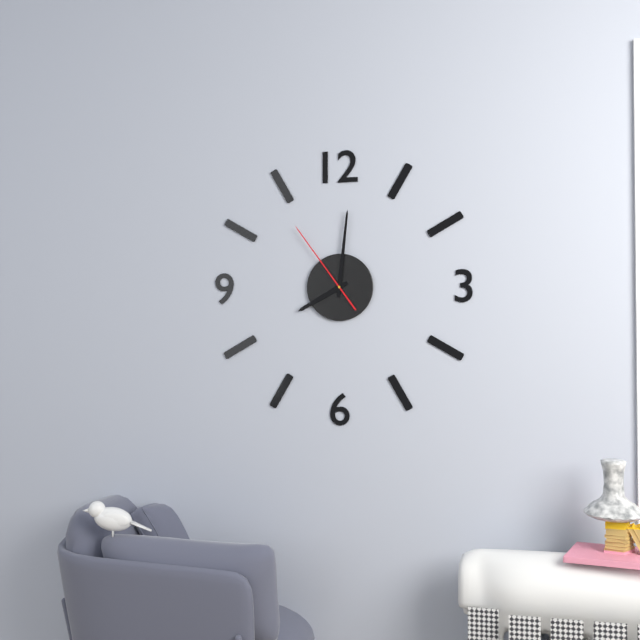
8.01.54
